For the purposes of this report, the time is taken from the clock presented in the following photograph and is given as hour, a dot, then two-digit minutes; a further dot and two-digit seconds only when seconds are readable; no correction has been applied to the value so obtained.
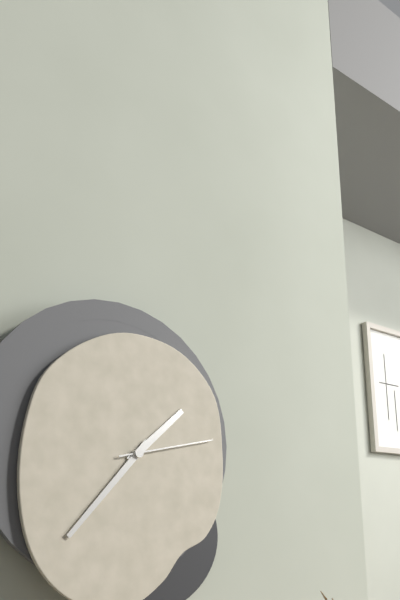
1.37.13
